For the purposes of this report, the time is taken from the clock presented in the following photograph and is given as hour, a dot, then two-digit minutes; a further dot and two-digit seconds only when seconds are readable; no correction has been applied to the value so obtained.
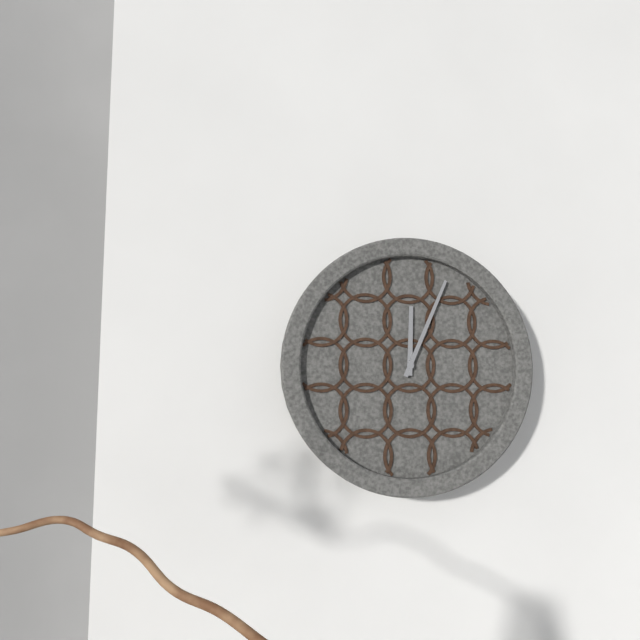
12.04
